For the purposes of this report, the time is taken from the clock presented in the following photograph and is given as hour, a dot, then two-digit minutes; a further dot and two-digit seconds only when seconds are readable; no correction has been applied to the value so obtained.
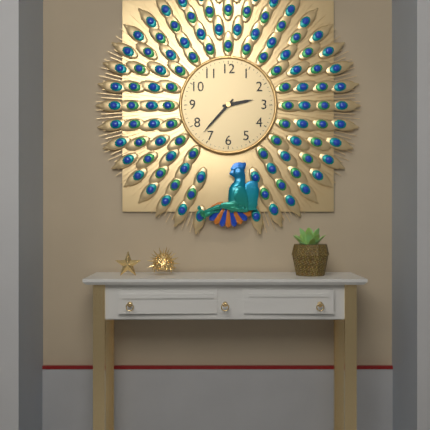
2.37
